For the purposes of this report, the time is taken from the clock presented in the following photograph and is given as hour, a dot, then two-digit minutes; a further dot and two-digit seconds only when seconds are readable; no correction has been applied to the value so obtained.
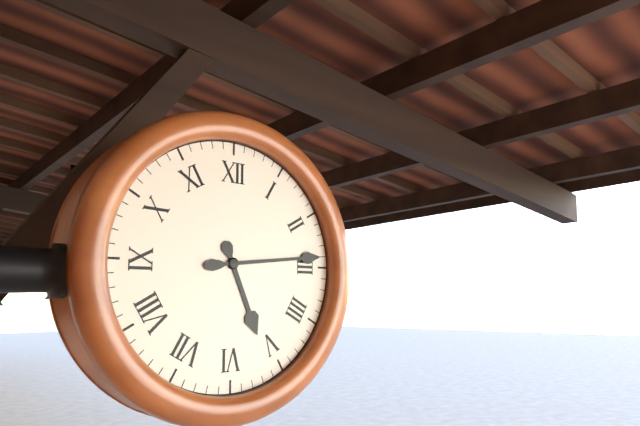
5.14
